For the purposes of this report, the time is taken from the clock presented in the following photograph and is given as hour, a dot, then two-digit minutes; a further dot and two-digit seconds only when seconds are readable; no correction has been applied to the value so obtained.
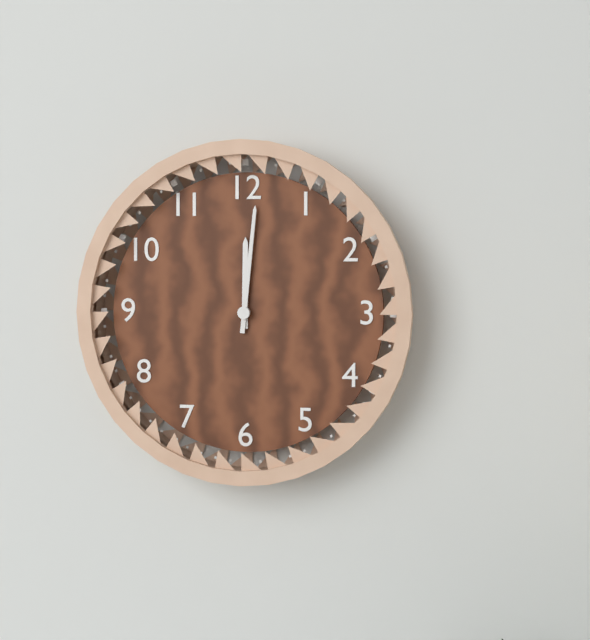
12.01
